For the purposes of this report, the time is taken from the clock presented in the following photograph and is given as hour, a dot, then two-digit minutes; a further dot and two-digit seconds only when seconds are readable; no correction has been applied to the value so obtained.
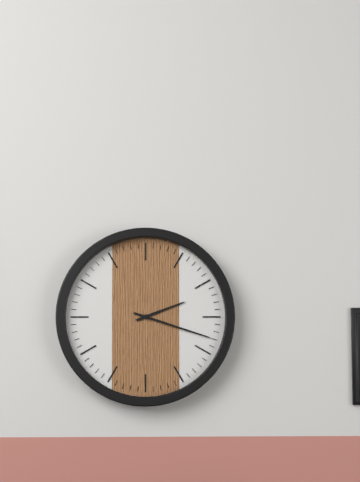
2.18
